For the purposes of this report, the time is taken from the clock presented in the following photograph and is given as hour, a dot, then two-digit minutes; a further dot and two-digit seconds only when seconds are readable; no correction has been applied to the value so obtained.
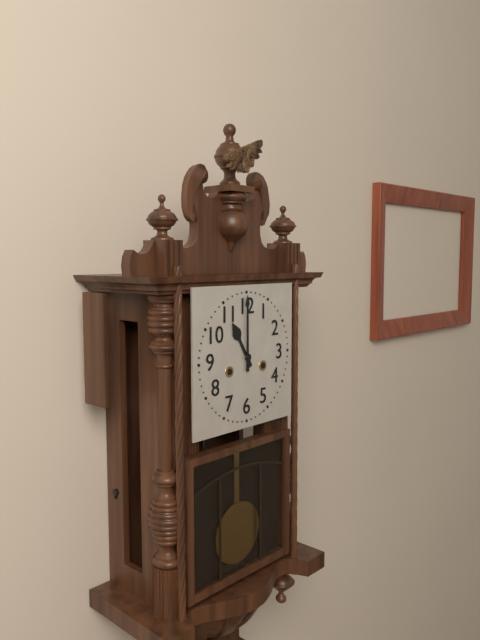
11.00
